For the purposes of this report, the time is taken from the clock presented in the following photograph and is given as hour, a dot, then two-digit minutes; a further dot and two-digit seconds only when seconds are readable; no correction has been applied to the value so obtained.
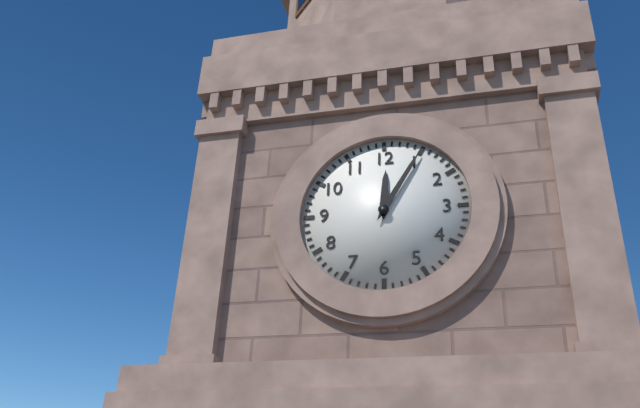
12.05
